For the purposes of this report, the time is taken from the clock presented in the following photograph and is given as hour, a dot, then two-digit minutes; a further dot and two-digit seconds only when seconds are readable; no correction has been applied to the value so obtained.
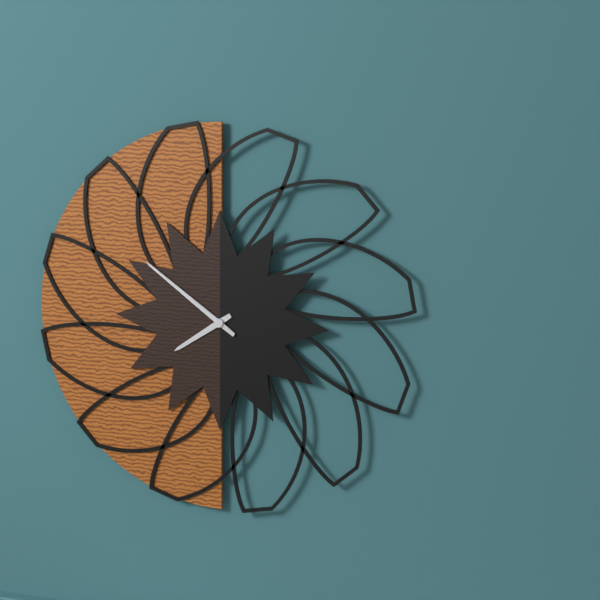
7.51
